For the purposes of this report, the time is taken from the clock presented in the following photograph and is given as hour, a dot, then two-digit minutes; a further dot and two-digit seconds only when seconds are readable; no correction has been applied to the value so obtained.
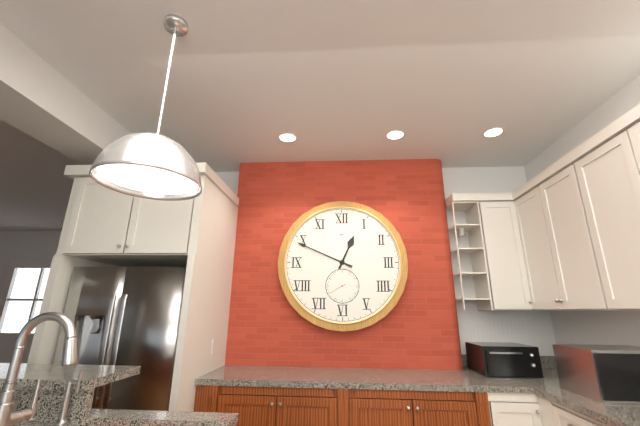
12.49
